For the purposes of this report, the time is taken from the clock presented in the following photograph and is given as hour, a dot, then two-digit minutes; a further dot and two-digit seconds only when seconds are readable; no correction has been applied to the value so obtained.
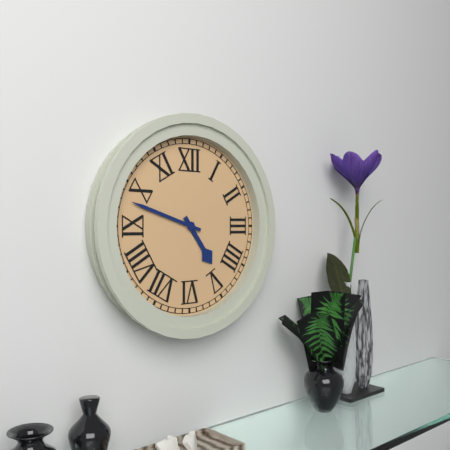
4.48
